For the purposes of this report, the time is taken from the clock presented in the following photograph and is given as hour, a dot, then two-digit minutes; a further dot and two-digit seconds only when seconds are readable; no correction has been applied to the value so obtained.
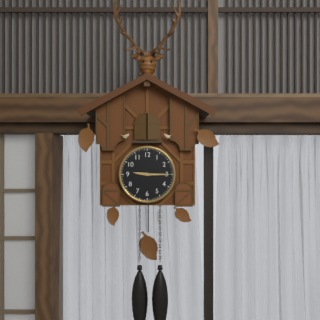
9.15
